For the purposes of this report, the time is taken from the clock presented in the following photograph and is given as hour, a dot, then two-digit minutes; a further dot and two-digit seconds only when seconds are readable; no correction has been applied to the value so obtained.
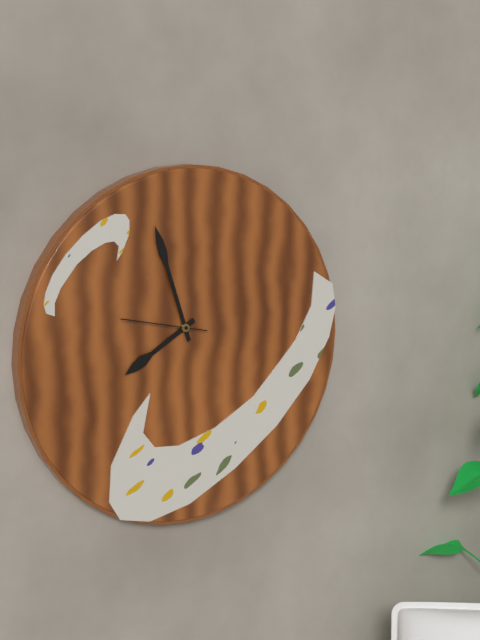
7.57.47
